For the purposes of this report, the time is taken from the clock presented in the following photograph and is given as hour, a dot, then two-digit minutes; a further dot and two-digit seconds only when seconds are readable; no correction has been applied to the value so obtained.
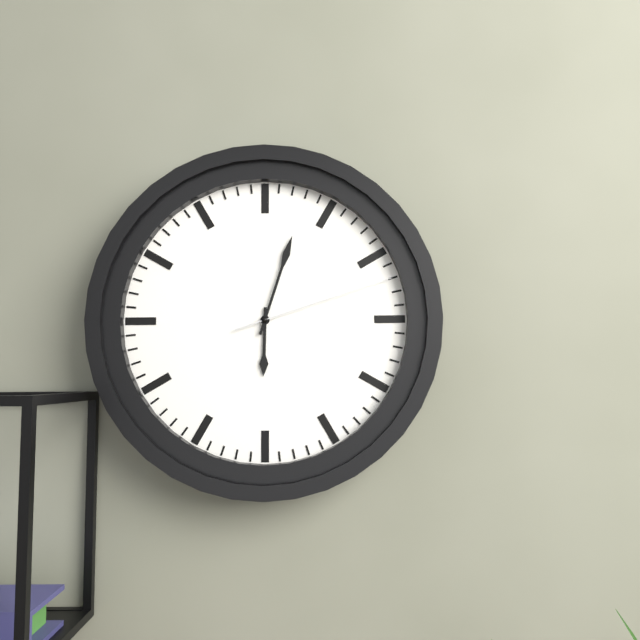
6.03.12
